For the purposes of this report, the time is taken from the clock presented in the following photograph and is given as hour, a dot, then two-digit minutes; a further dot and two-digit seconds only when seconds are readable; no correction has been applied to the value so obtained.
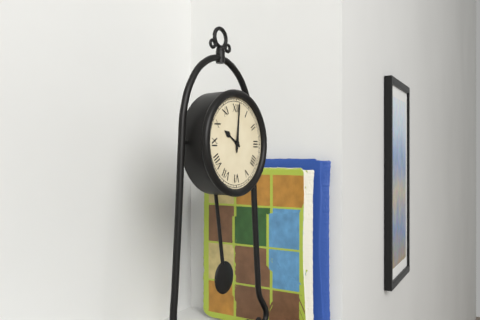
10.01
